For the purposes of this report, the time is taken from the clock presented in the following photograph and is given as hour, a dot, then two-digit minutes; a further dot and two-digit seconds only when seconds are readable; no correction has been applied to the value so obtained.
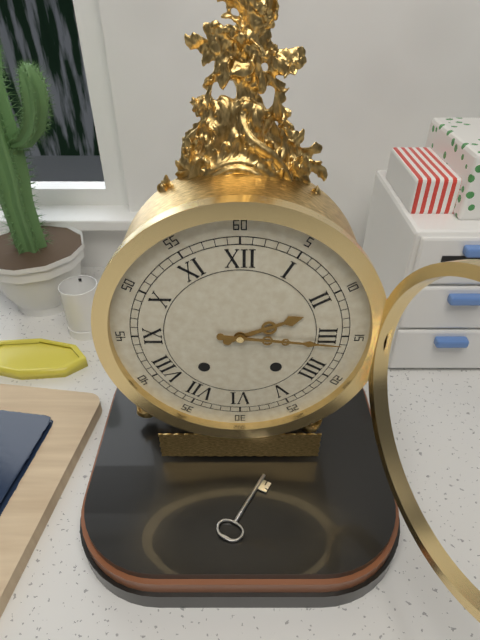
2.16
